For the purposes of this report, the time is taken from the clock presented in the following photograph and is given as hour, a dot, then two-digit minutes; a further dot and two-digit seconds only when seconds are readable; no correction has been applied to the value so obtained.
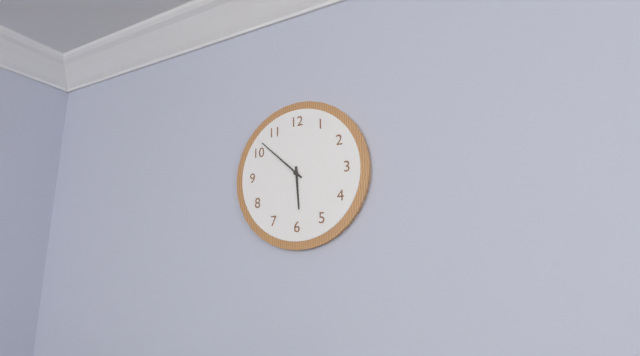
5.52
